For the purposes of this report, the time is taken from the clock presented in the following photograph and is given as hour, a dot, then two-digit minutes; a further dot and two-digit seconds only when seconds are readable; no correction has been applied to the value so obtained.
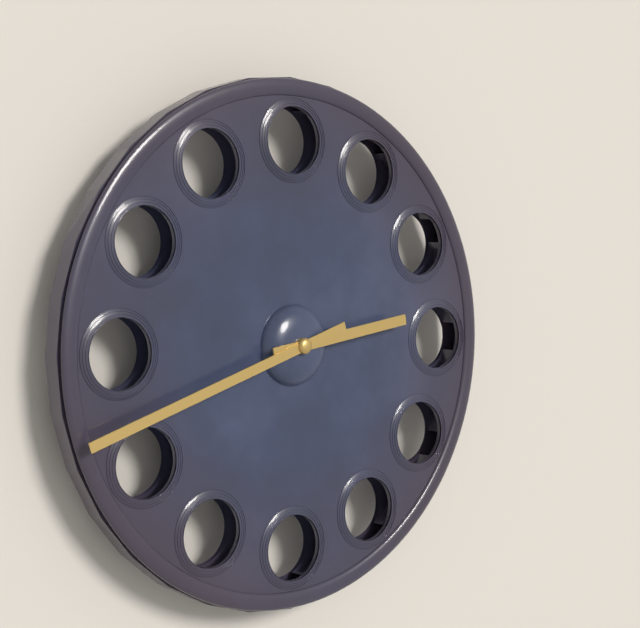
2.42
